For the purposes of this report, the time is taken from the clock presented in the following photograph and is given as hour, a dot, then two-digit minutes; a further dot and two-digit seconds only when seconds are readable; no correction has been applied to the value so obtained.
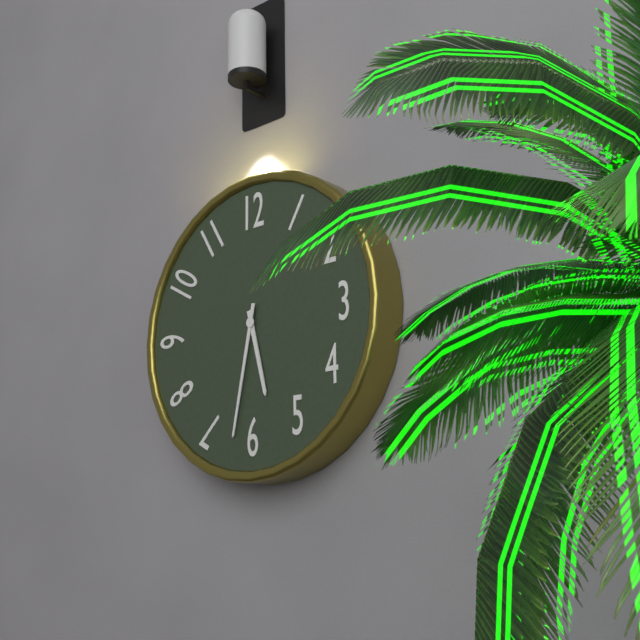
5.32
